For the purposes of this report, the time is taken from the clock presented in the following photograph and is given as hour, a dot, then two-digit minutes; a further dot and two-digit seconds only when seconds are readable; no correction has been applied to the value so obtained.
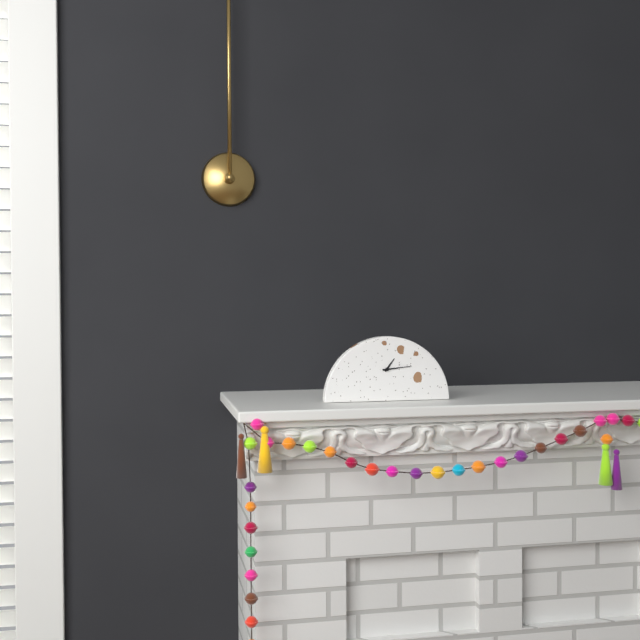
1.14
